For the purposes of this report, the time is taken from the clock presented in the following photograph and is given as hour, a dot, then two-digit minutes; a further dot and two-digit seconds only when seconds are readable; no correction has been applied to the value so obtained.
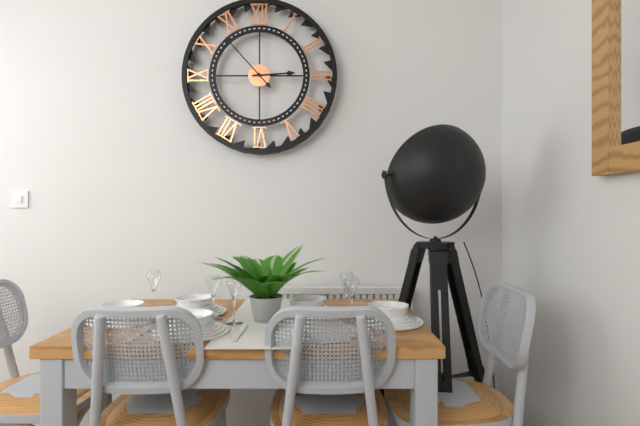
2.53
